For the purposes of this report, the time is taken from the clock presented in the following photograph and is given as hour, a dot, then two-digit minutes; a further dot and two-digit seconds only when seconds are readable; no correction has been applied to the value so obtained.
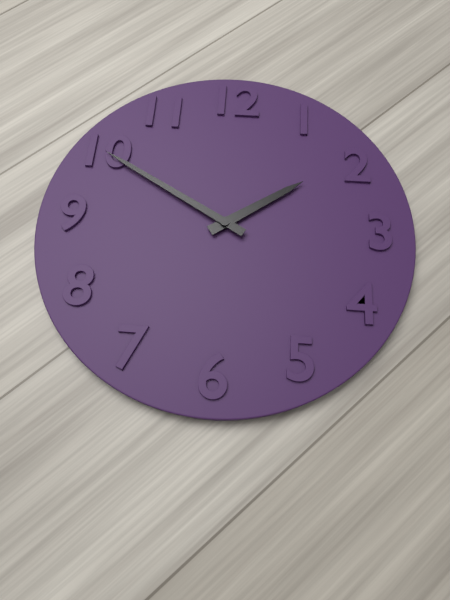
1.50
